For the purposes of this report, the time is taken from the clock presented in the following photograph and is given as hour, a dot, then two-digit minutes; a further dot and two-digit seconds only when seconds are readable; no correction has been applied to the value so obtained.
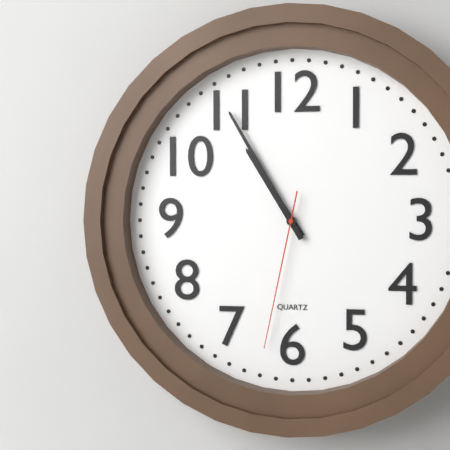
10.55.32
